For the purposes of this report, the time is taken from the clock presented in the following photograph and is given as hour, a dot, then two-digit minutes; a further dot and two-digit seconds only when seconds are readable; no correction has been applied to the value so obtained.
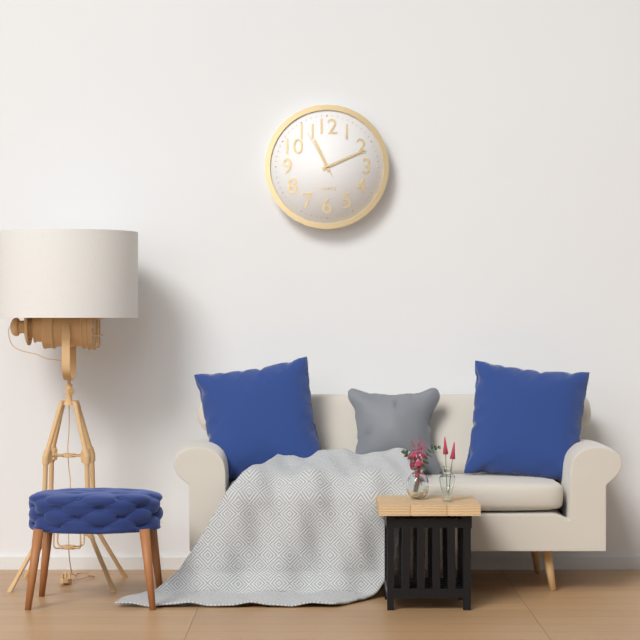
11.11
